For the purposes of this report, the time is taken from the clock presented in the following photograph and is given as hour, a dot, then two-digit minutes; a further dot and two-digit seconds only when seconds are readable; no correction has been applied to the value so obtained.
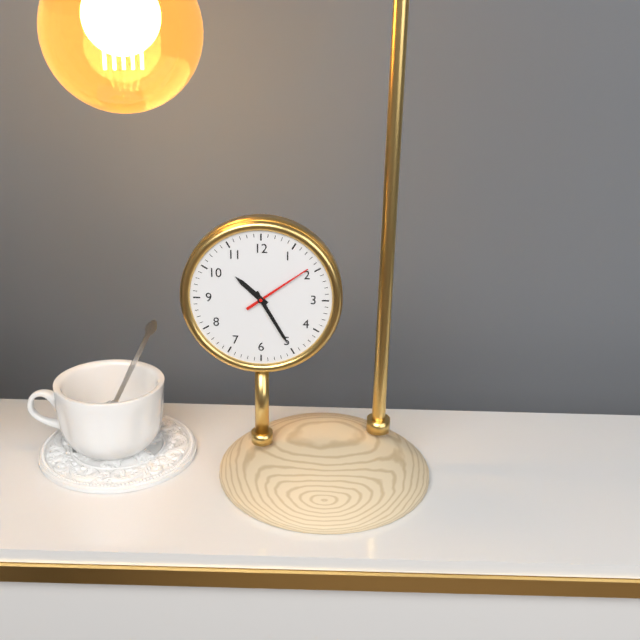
10.25.09
